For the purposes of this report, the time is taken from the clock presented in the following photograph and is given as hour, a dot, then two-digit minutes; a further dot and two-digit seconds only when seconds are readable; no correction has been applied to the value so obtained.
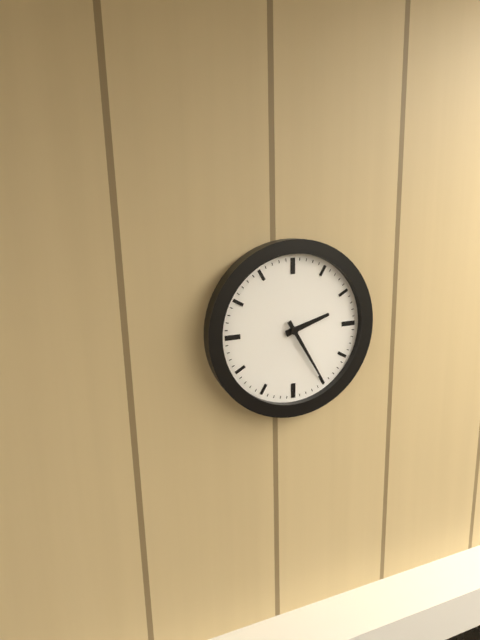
2.25
